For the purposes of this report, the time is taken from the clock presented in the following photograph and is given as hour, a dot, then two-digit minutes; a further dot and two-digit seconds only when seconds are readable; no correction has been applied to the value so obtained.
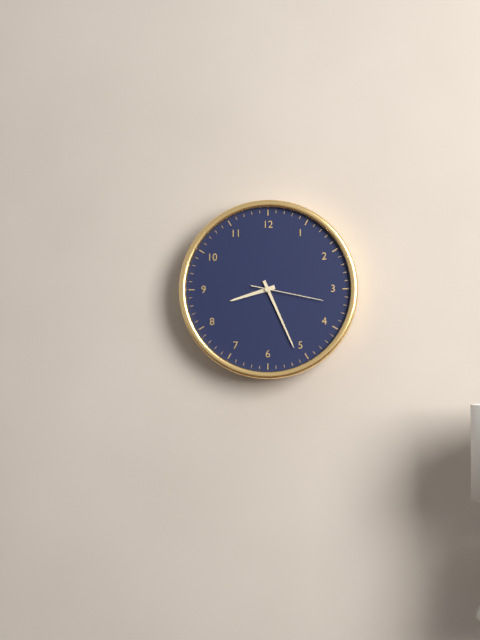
8.26.17
